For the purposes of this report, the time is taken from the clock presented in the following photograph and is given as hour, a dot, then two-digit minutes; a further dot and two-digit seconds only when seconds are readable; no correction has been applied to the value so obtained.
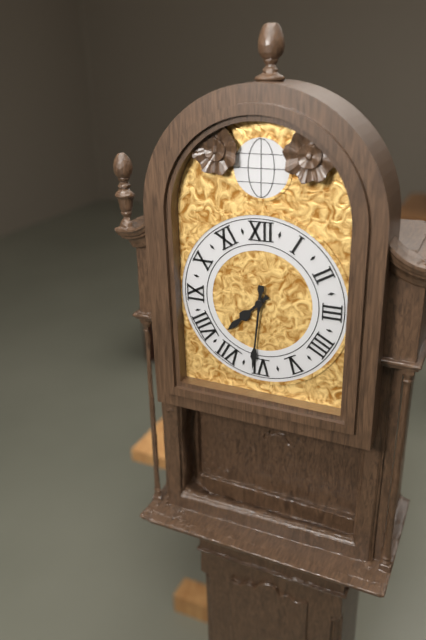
7.31
